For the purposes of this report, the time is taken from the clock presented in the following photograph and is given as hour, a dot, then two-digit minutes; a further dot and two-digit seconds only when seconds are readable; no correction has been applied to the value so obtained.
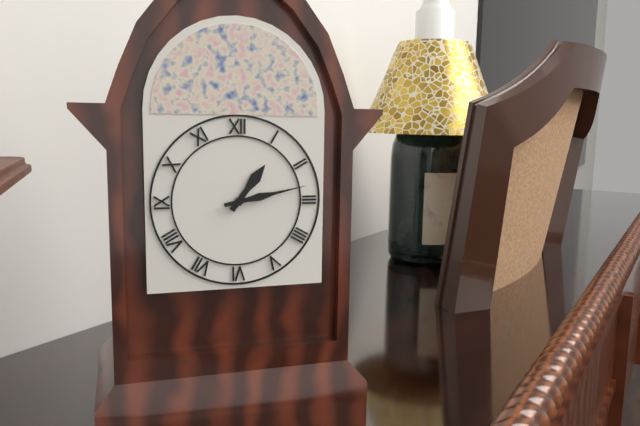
1.13
